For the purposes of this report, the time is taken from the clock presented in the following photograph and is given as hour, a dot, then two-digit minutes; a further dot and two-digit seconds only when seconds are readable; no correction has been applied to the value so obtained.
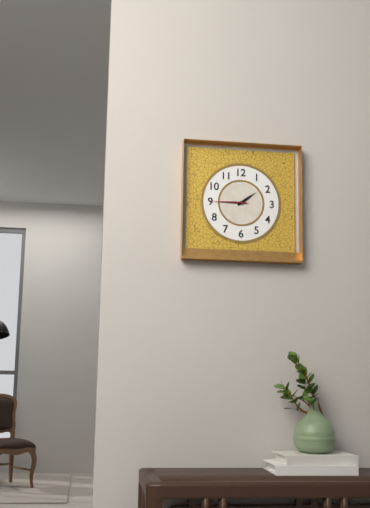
1.45
